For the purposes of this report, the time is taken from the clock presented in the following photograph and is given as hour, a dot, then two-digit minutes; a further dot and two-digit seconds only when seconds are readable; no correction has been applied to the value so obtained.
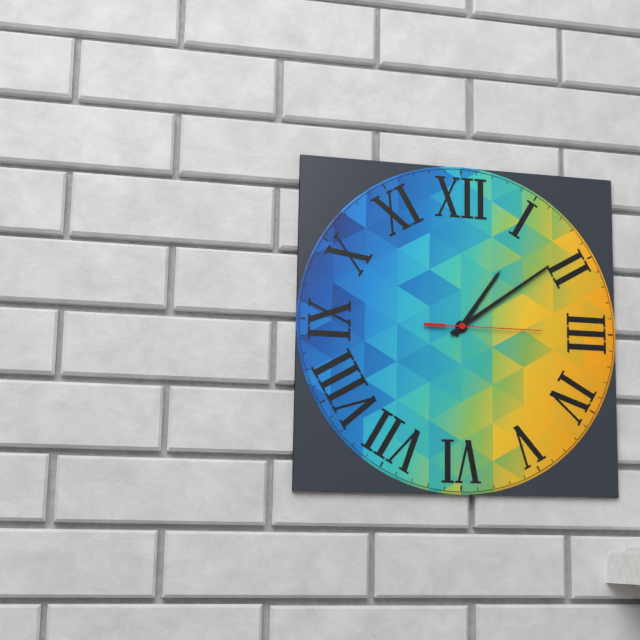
1.09.15
